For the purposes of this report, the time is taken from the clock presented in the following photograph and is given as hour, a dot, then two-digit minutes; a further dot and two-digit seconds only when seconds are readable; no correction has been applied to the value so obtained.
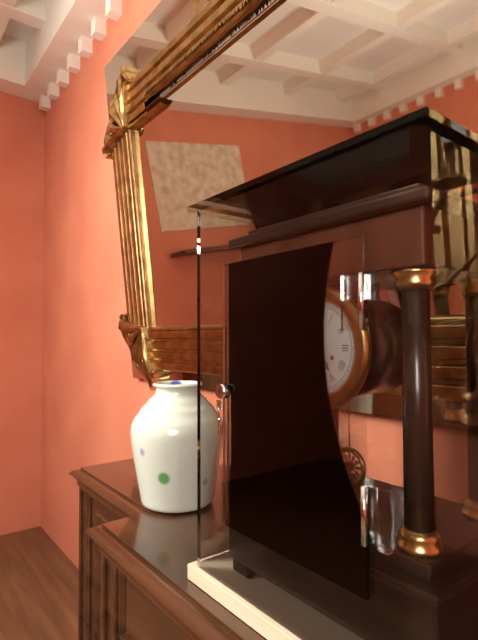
4.55
